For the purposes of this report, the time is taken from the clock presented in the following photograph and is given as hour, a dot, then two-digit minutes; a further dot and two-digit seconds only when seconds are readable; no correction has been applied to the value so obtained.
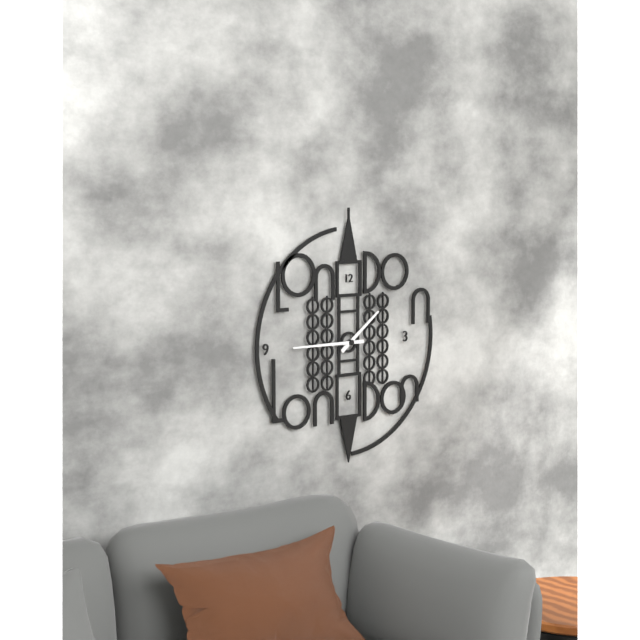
1.45
